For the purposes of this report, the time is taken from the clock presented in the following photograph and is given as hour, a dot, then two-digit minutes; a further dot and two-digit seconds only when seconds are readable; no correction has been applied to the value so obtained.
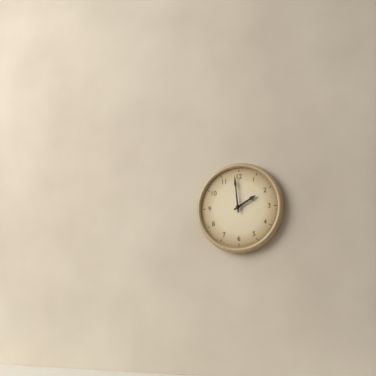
1.59
